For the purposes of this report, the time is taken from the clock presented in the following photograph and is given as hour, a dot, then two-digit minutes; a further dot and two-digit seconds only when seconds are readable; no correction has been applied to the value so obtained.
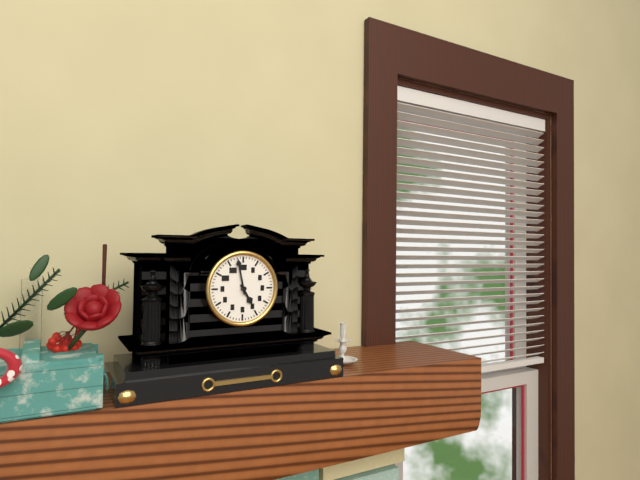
4.58
